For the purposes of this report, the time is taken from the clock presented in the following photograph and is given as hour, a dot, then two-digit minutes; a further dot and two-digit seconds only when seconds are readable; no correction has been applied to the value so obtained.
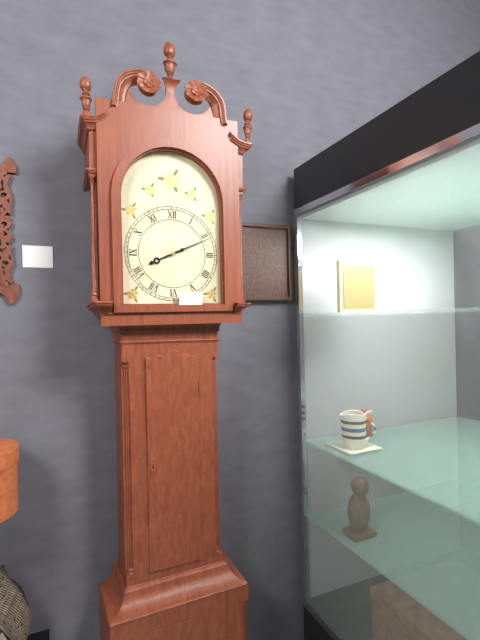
8.11
